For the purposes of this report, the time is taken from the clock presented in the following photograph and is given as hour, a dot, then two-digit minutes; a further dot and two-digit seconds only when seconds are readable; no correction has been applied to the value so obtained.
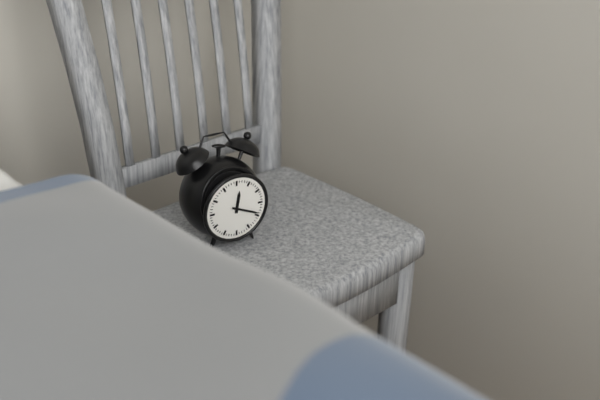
12.19
